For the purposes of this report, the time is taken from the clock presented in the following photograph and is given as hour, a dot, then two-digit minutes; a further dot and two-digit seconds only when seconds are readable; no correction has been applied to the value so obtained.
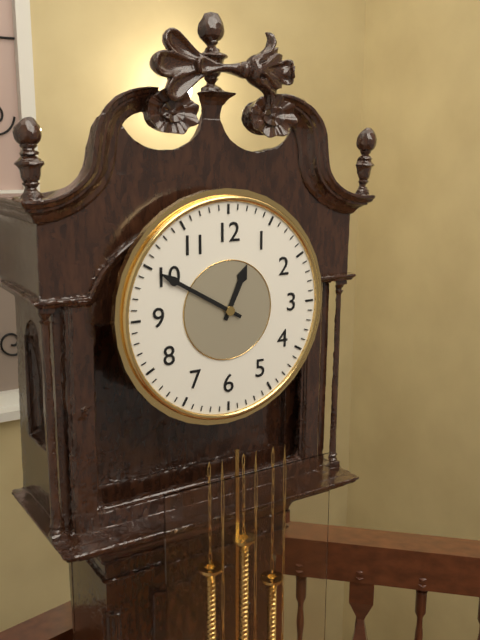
12.50
